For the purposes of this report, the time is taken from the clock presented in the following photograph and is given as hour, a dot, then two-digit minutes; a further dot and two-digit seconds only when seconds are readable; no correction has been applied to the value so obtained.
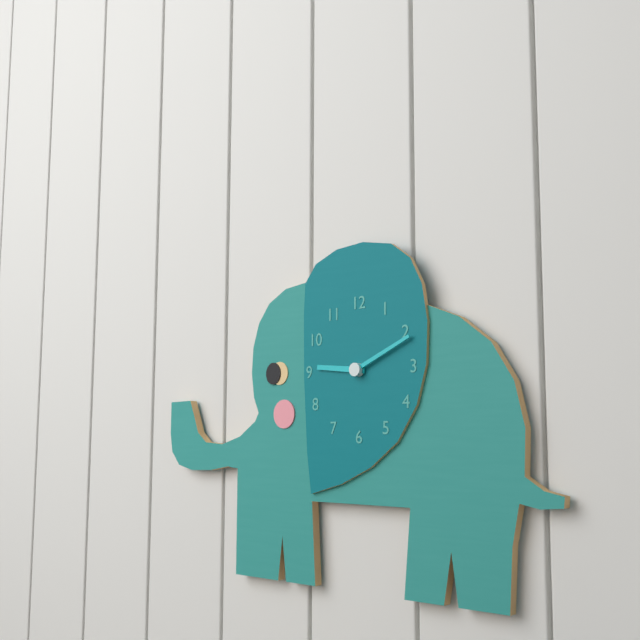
9.11
